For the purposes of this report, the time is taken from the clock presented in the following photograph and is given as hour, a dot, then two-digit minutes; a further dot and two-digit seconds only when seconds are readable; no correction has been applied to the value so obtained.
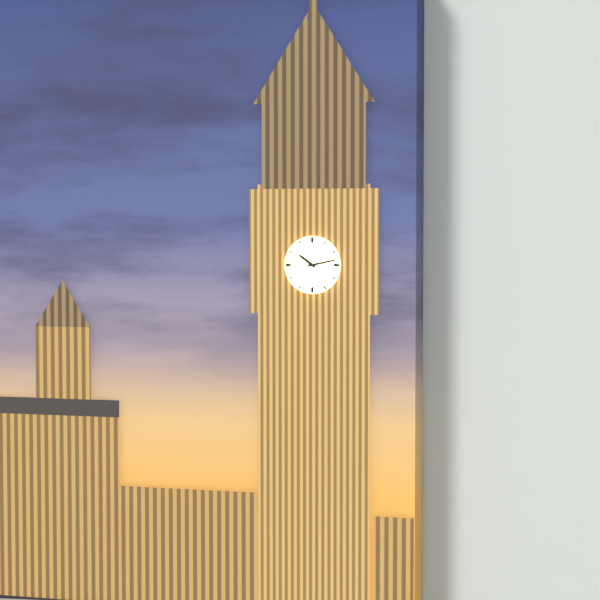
10.13
